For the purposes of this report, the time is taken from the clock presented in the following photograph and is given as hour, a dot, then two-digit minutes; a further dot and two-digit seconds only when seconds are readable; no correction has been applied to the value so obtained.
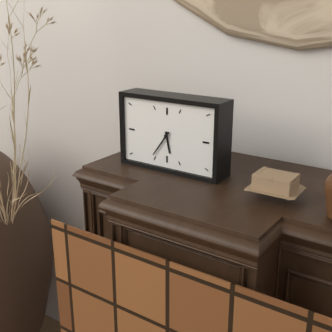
5.36
